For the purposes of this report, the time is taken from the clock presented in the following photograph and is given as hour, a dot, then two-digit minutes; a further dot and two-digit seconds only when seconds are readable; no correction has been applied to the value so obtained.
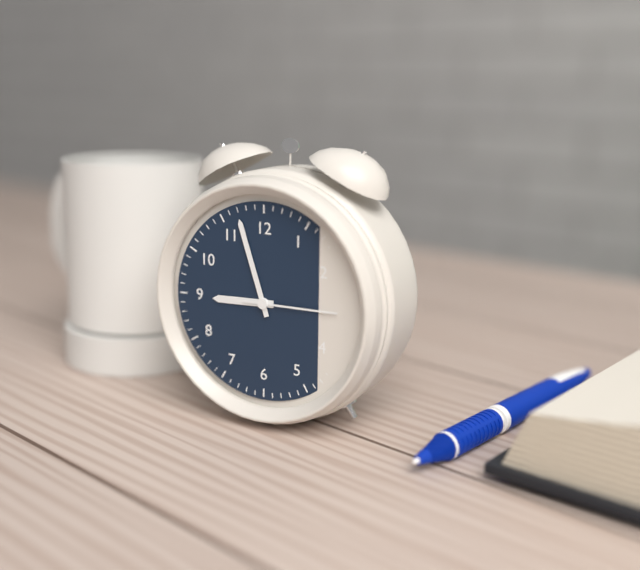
8.57.15
